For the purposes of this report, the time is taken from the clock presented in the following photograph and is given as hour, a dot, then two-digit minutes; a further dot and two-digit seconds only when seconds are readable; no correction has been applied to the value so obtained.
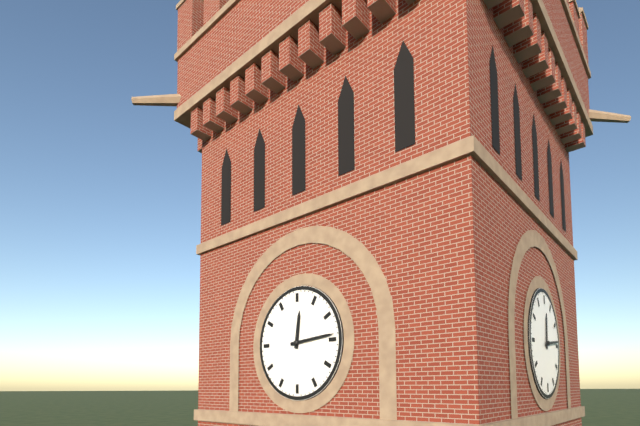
12.14
